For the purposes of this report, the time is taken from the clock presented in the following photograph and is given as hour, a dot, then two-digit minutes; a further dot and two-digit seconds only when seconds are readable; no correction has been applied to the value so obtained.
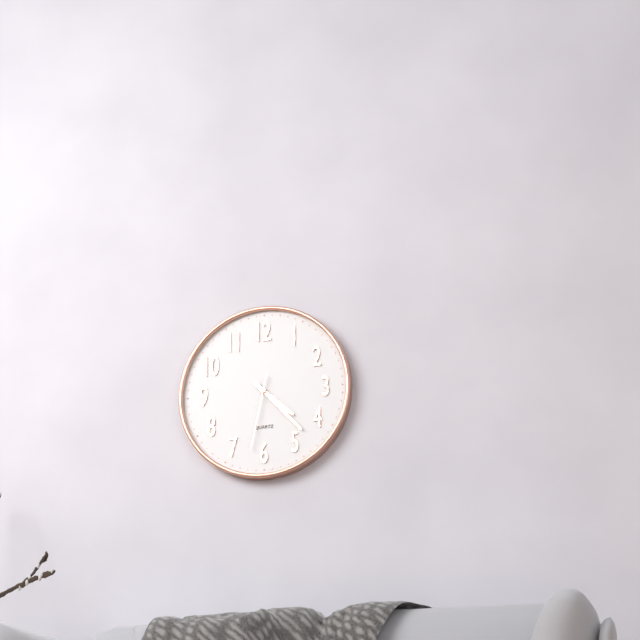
4.23.32
